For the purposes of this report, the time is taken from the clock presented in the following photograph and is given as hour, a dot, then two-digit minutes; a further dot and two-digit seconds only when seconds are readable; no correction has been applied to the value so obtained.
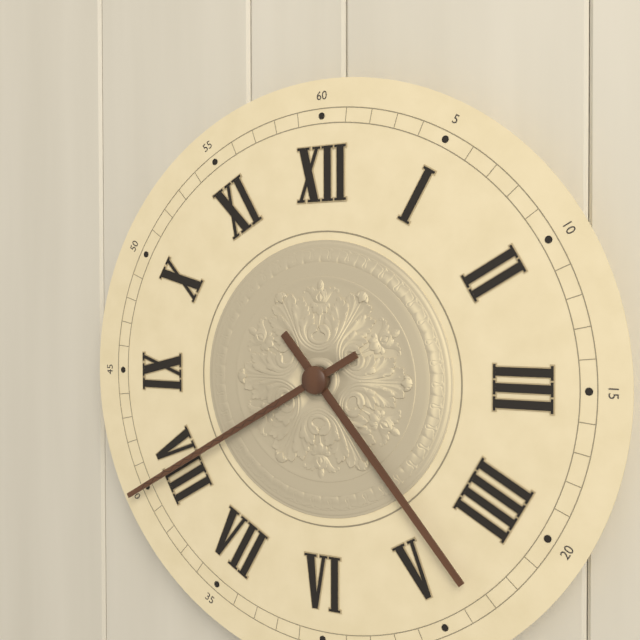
4.40
